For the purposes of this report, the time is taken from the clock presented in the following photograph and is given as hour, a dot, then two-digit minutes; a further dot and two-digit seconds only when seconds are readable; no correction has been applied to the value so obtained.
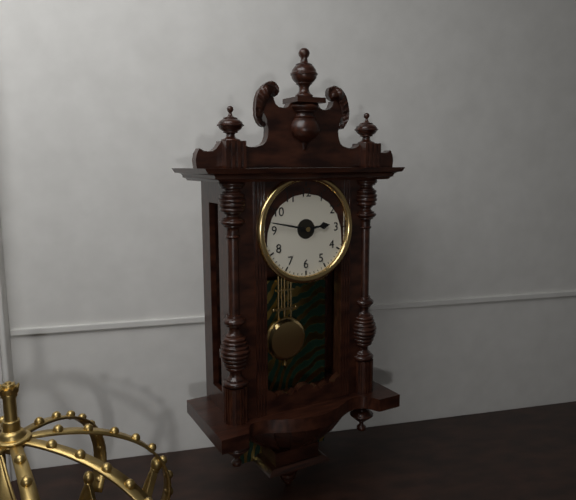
2.47
